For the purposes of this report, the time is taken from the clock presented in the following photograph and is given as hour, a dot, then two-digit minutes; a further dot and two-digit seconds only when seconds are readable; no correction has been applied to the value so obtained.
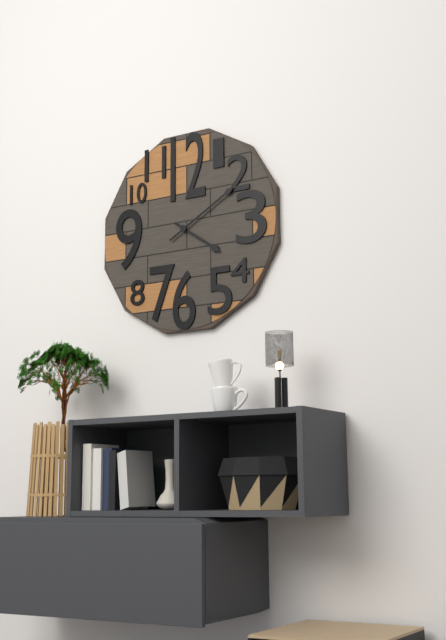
4.10
